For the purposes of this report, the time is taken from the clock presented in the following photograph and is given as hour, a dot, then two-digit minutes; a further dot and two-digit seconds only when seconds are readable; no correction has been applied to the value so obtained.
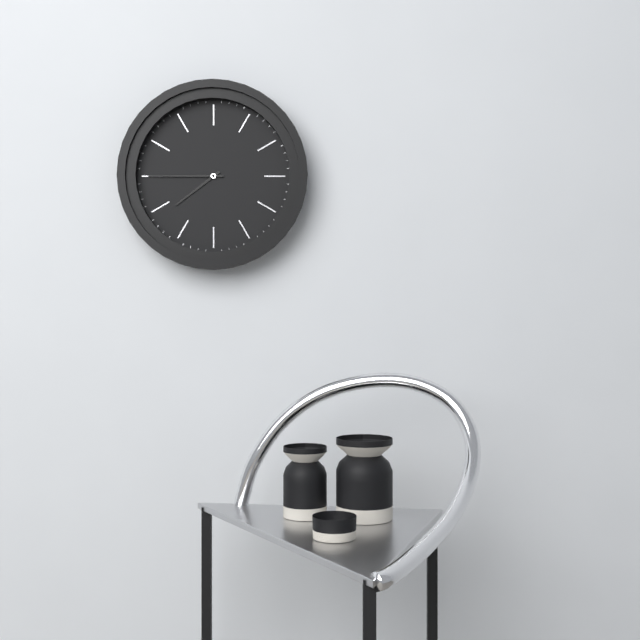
7.45
